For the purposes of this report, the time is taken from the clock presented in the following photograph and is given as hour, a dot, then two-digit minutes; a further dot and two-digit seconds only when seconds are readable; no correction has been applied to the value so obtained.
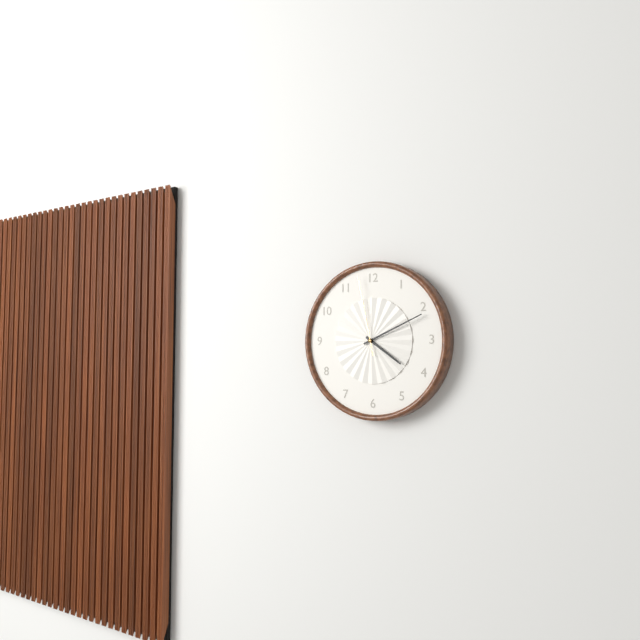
4.11.58
